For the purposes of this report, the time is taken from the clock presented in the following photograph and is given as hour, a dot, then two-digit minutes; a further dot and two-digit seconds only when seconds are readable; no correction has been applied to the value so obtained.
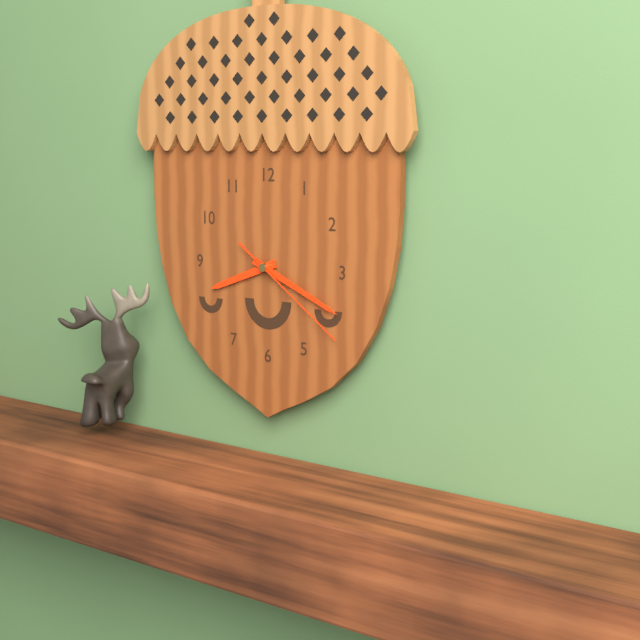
8.19.21
